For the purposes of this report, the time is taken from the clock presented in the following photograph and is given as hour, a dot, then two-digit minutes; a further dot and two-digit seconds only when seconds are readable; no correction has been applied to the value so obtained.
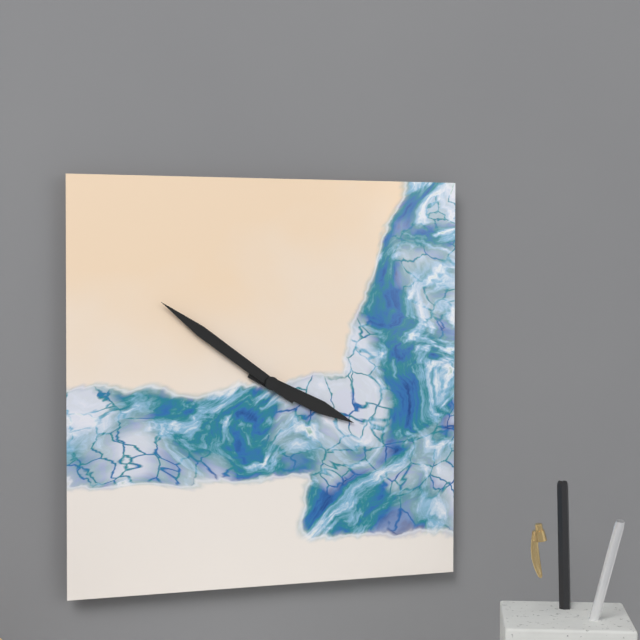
3.51
